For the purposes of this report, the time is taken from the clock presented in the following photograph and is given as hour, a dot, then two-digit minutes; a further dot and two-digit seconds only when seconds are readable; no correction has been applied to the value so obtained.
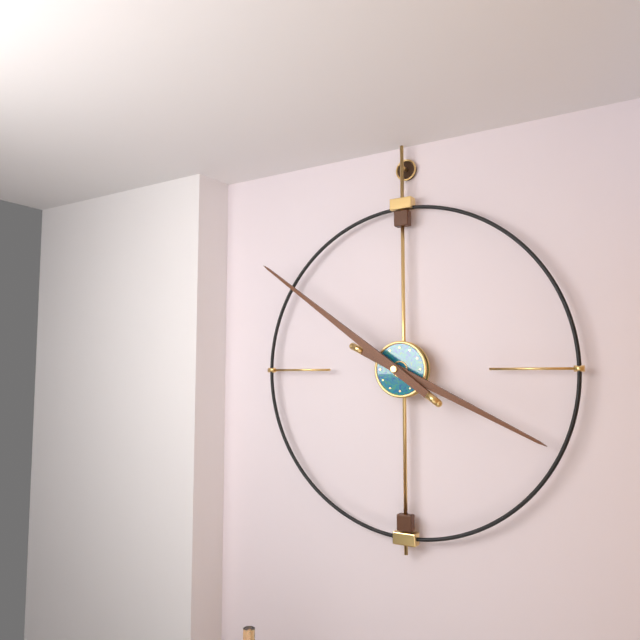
3.51
